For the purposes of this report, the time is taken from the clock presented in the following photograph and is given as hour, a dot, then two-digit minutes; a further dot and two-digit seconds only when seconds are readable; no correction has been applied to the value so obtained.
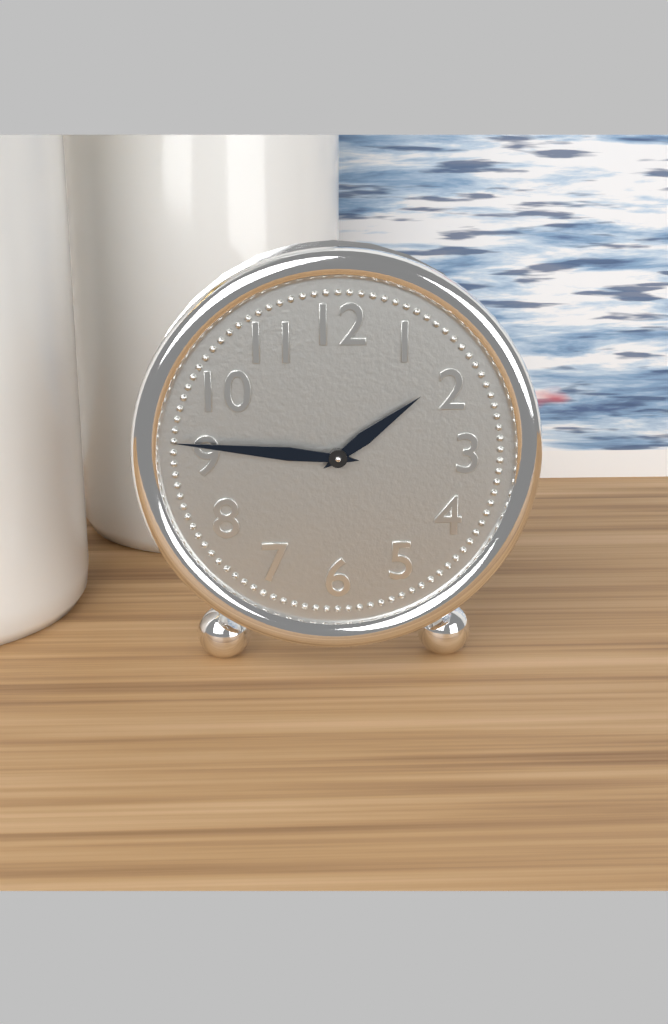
1.46
